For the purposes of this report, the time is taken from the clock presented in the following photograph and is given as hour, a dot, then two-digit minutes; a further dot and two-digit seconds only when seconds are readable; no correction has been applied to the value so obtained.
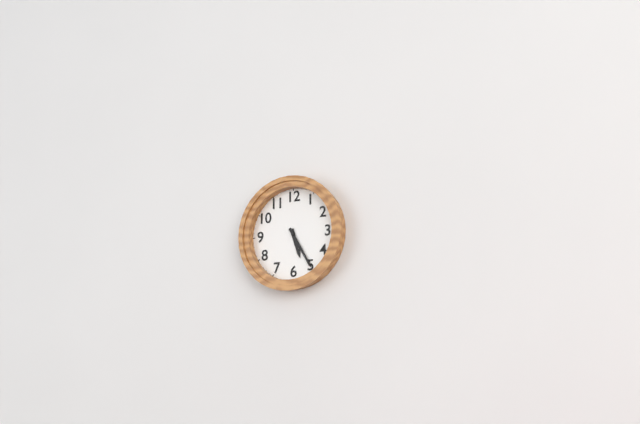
5.25
